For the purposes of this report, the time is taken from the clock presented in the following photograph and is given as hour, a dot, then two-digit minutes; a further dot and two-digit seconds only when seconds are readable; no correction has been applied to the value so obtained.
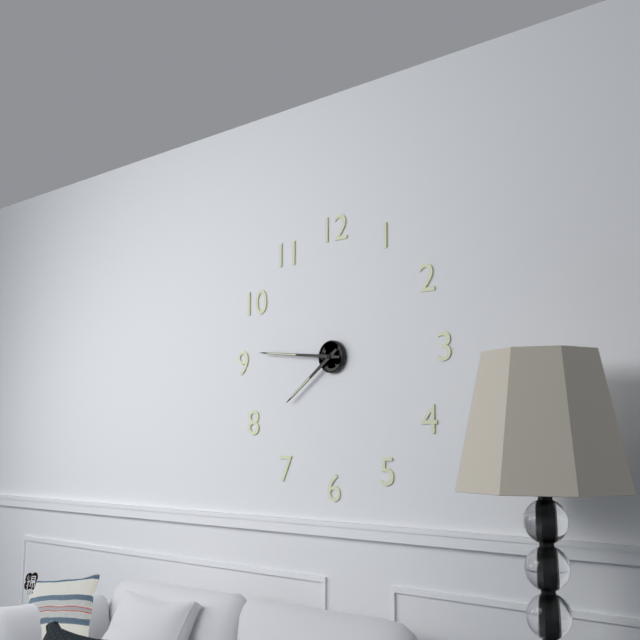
7.46
